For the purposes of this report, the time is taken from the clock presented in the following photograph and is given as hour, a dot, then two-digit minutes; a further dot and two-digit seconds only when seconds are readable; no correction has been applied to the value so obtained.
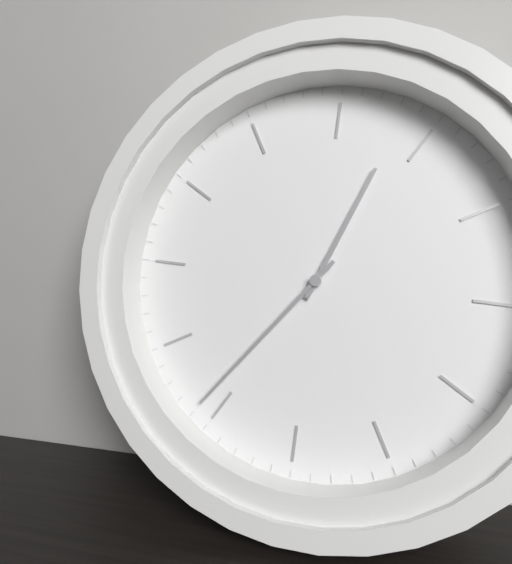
1.41
